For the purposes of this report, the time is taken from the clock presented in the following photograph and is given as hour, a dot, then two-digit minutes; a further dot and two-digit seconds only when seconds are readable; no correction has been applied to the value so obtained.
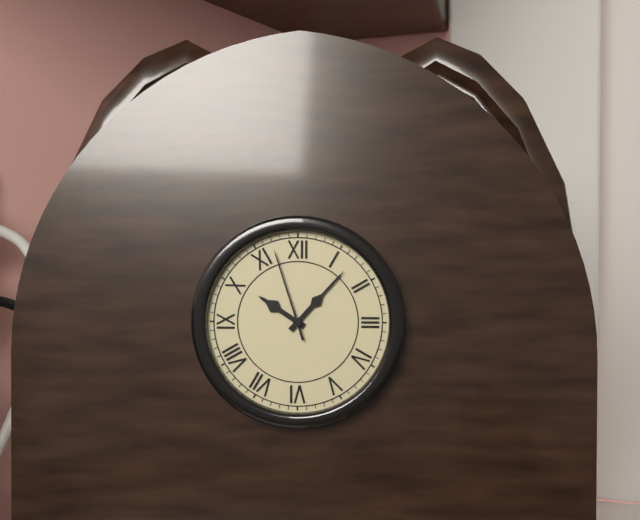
10.07.57
